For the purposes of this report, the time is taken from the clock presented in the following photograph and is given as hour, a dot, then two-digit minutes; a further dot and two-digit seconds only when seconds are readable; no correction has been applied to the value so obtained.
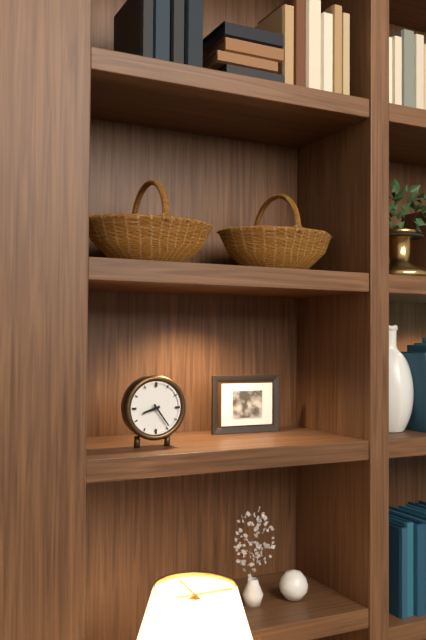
8.24
